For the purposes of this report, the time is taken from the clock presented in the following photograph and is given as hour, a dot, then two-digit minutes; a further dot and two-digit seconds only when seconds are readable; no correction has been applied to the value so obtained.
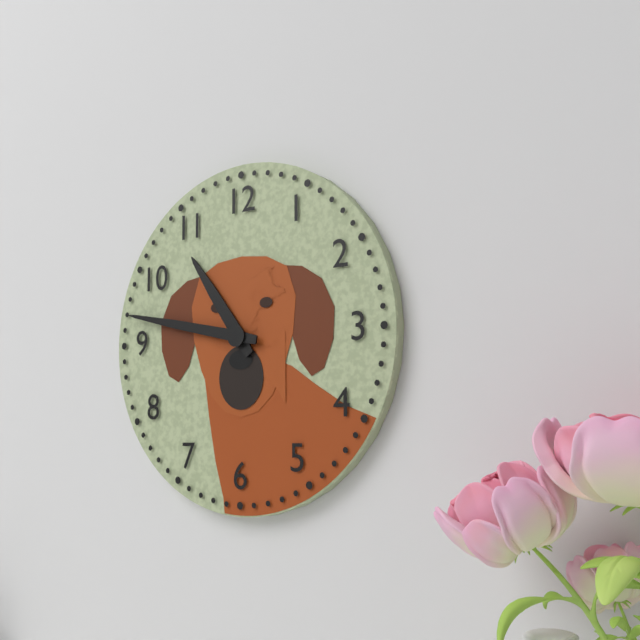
10.47
